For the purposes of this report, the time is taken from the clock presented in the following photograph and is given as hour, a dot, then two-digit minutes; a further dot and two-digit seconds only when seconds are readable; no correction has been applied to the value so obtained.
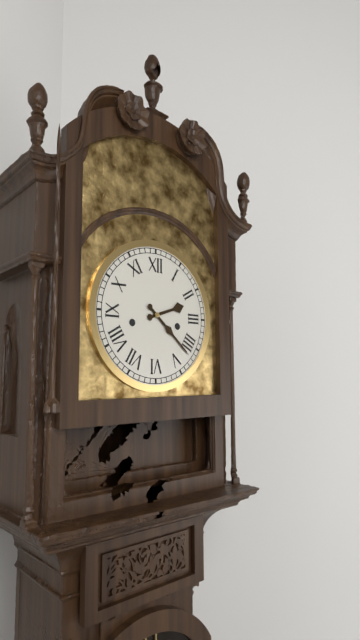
2.22
